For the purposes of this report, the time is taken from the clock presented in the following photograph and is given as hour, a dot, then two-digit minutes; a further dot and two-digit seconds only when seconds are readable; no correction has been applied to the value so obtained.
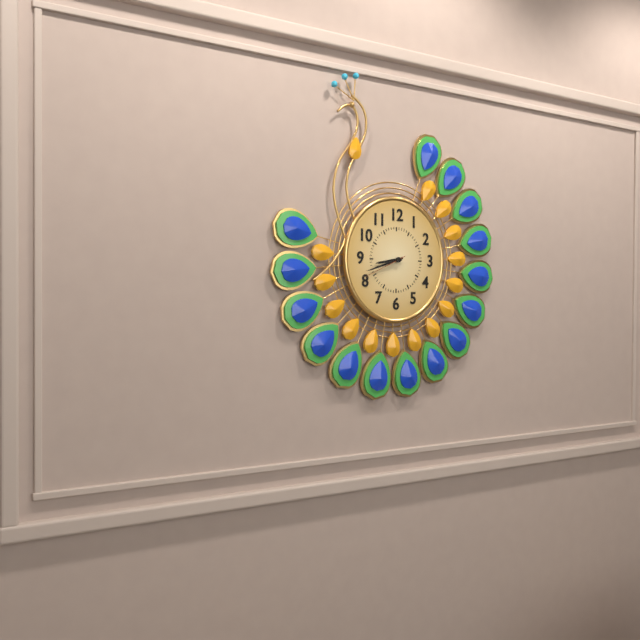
8.42
